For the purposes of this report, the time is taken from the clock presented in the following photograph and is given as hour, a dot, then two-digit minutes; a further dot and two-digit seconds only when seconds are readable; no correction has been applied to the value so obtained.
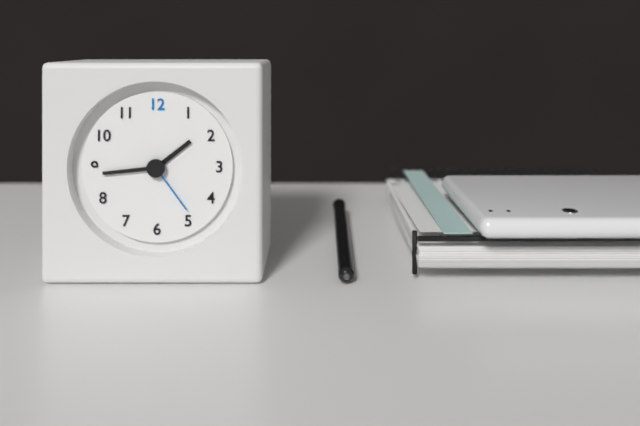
1.44.24
